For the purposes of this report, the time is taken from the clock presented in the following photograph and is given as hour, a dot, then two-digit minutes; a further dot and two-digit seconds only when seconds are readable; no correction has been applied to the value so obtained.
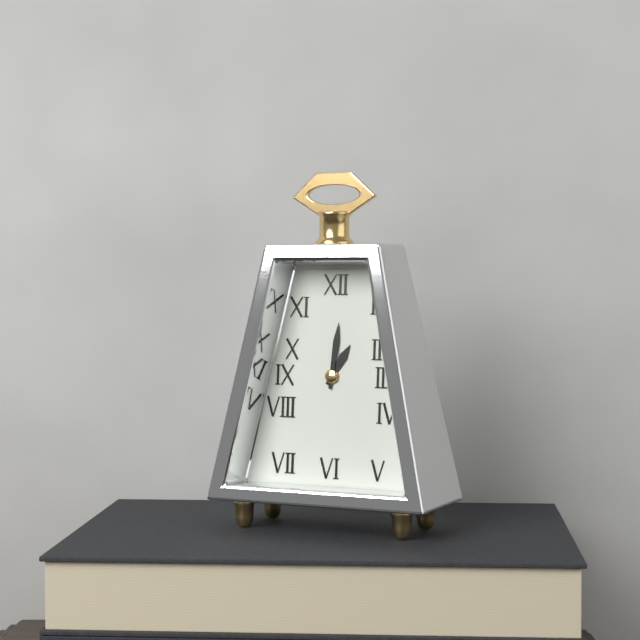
1.01
